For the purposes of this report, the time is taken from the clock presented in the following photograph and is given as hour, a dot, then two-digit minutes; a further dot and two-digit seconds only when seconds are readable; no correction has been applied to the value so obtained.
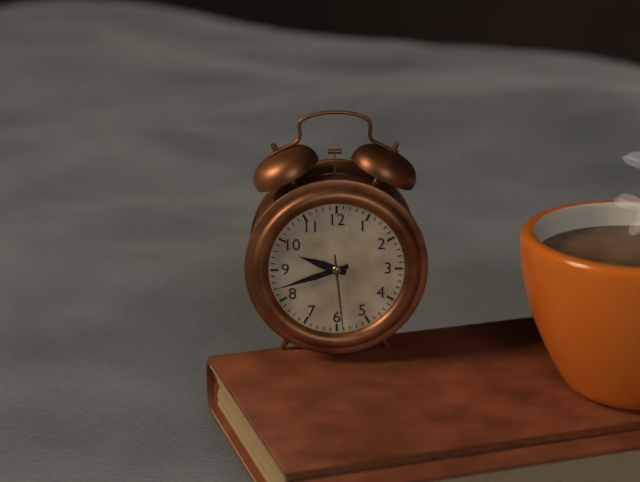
9.42.29
